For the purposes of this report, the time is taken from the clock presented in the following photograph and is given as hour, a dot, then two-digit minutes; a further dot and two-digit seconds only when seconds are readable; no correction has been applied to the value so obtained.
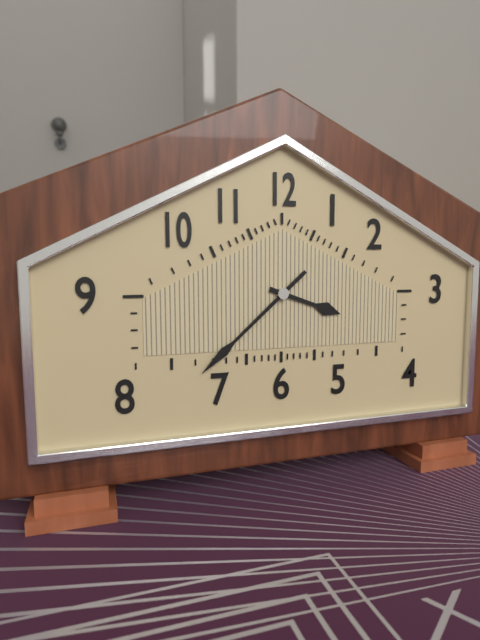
3.38
